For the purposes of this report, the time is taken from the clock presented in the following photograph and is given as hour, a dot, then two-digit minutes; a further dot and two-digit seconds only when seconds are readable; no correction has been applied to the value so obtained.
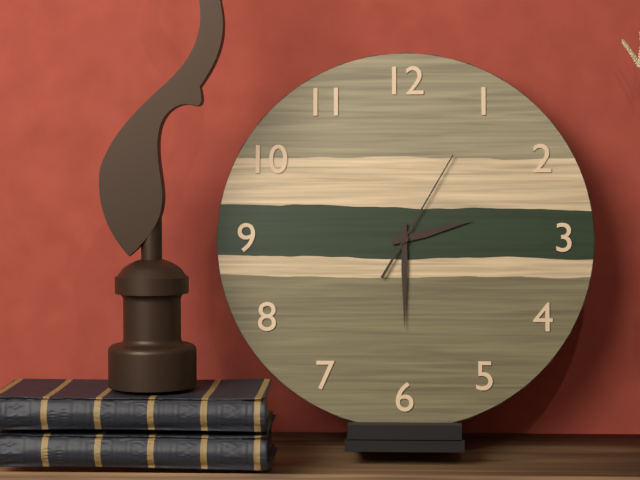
2.30.05
